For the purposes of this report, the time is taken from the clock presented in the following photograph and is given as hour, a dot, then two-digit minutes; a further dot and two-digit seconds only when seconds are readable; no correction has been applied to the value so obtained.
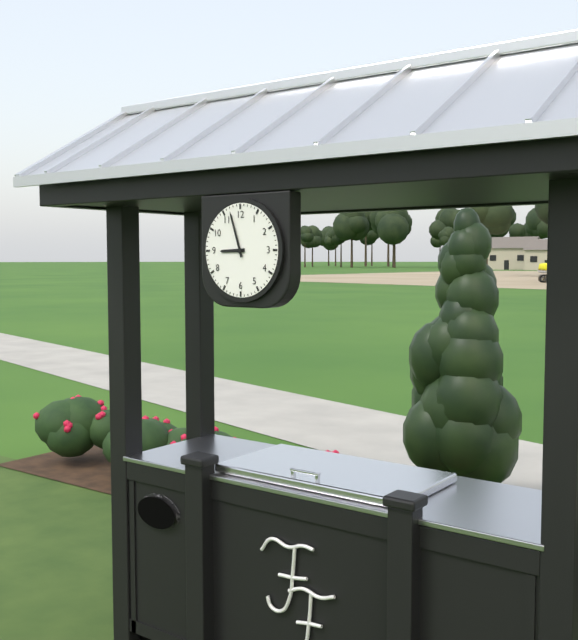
8.57
